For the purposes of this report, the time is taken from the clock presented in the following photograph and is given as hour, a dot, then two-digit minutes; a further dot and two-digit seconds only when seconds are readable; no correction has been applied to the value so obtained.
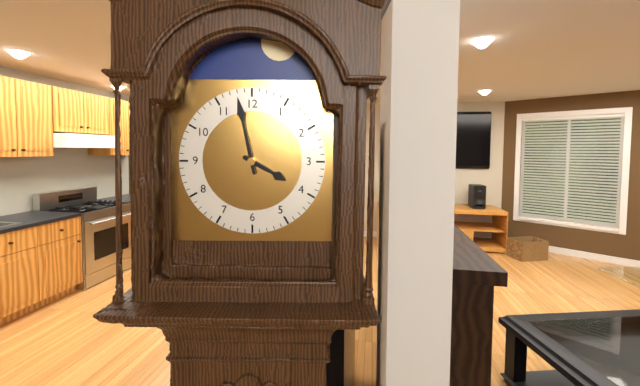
3.58
